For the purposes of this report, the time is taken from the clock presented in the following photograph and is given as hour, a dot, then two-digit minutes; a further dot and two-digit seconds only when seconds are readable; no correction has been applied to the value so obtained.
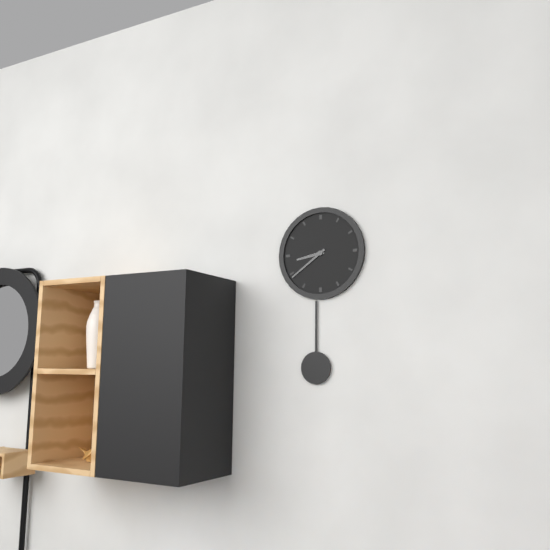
8.39
